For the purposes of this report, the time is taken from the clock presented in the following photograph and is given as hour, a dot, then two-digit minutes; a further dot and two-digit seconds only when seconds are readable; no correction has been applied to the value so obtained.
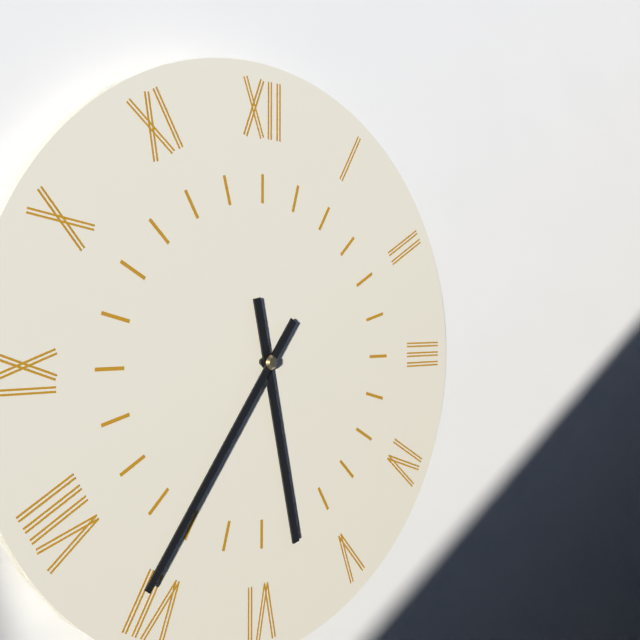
5.36
